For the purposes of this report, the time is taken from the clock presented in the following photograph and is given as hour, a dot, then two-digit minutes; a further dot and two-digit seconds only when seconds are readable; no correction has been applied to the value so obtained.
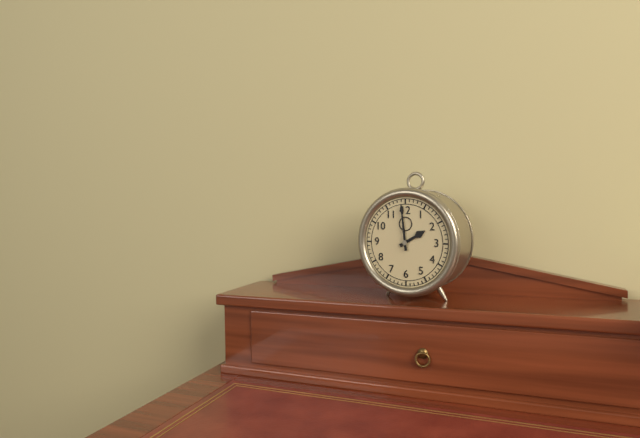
1.59
